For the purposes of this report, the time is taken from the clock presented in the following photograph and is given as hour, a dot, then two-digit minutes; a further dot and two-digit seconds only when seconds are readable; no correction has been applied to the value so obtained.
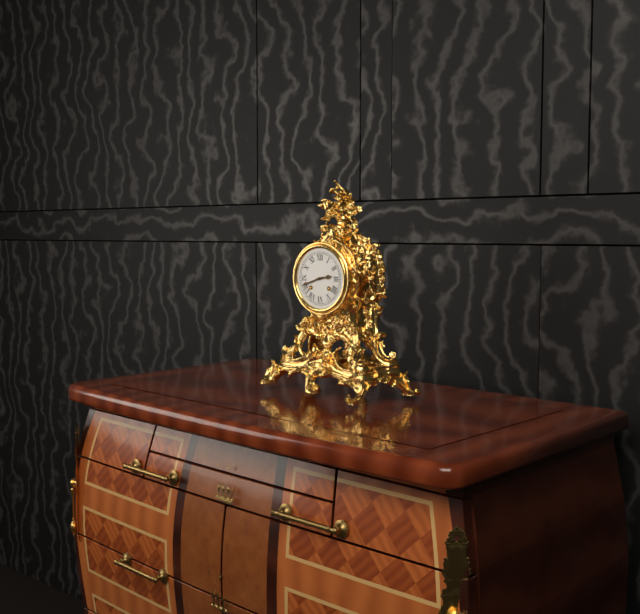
2.42
